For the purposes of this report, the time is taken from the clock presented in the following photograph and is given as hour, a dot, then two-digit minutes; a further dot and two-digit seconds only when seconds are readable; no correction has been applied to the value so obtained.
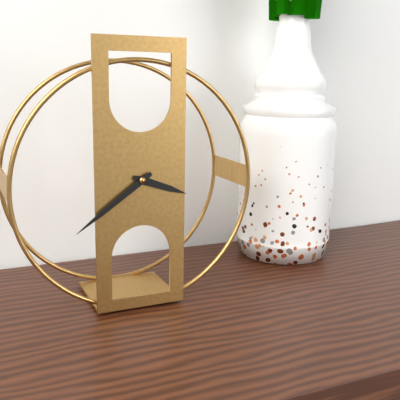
3.39
